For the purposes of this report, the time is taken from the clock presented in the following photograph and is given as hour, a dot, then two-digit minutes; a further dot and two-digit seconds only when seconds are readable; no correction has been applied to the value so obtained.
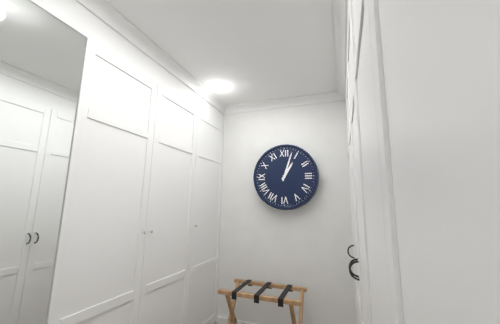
1.03
